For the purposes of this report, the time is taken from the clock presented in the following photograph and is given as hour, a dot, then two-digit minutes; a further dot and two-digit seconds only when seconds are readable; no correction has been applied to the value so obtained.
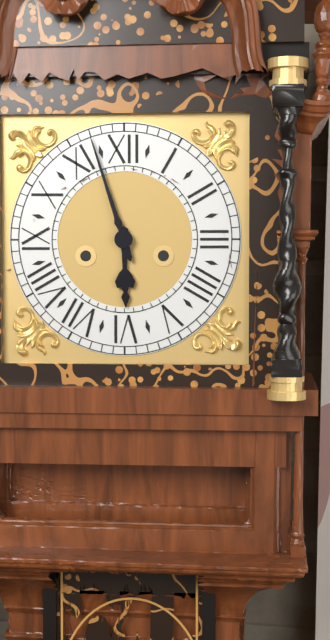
5.57
